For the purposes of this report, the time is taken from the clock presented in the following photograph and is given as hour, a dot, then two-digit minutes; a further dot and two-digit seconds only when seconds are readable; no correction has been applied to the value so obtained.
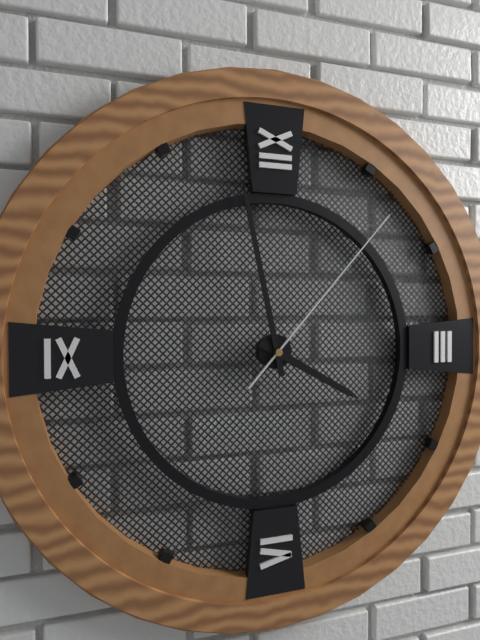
3.58.07
